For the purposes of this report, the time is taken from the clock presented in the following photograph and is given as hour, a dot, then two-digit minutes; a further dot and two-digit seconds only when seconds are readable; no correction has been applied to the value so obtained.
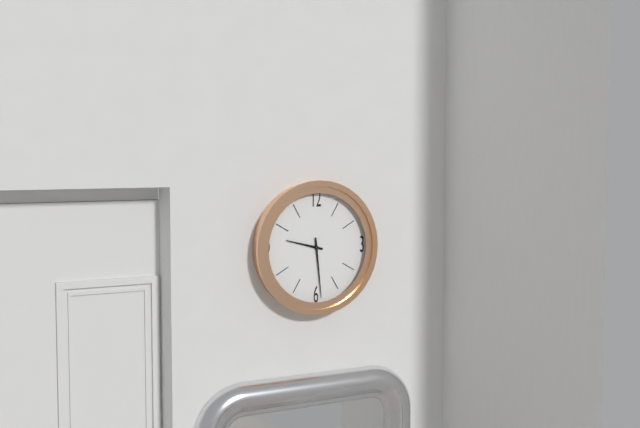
9.29
